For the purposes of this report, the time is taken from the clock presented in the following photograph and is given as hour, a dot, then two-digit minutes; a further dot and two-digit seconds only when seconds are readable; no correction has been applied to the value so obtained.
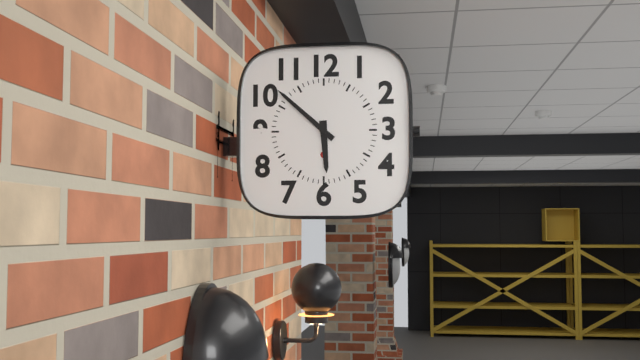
5.52
